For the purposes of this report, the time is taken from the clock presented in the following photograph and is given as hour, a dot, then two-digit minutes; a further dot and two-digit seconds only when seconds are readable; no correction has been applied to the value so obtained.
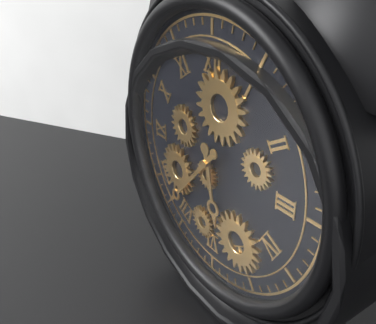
5.37
